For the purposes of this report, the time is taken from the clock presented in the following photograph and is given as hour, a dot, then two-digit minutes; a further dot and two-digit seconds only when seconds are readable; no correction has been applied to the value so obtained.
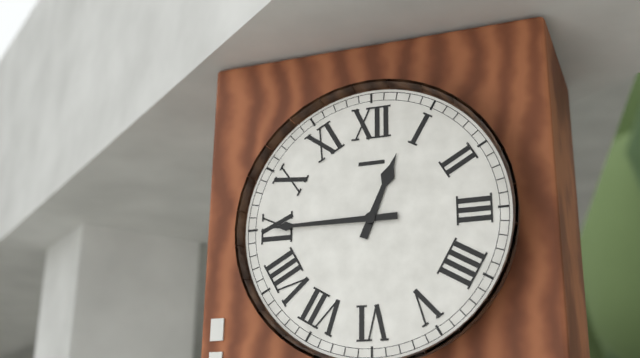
12.45
